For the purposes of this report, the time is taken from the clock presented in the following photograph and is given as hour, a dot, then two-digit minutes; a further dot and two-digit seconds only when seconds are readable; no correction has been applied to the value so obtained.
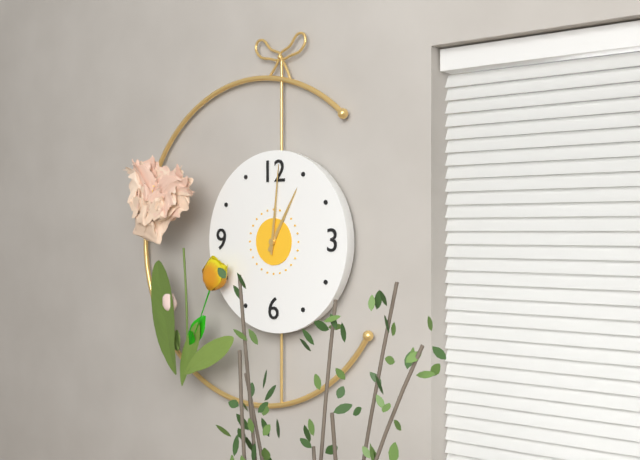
1.01
